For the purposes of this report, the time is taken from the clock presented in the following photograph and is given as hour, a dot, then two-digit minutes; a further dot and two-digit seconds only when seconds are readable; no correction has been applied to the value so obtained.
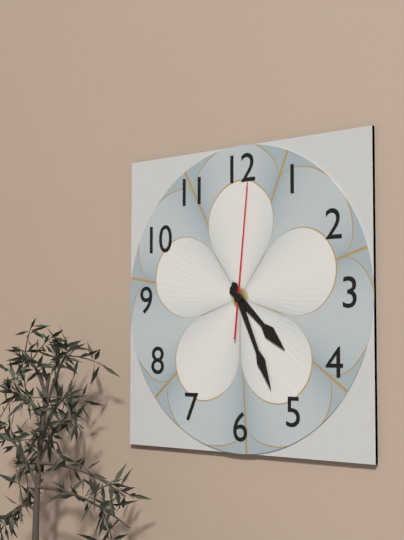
4.26.01
